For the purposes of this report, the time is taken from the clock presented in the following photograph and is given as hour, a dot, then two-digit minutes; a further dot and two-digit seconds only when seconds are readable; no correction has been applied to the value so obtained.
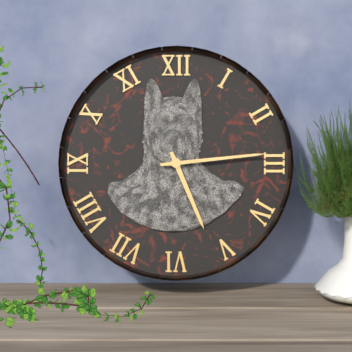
5.14
